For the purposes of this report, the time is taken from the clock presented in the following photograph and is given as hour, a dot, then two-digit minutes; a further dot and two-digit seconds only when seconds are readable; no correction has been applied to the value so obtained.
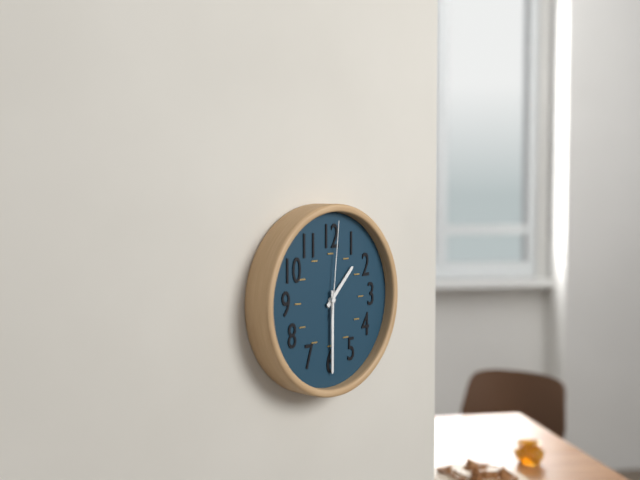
1.30.01
